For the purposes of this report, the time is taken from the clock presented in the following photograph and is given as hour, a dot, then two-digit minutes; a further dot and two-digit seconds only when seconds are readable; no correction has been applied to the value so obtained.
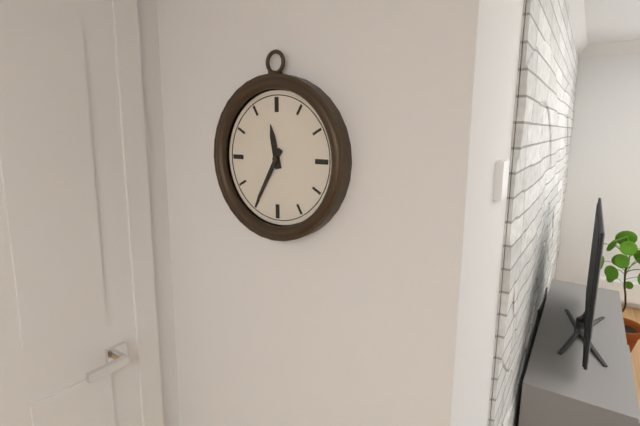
11.35
